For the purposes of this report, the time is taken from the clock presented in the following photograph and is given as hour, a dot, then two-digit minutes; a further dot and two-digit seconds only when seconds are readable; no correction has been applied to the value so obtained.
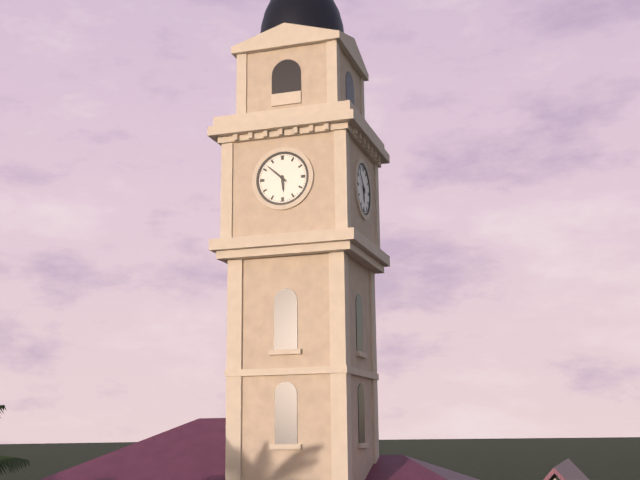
5.52
